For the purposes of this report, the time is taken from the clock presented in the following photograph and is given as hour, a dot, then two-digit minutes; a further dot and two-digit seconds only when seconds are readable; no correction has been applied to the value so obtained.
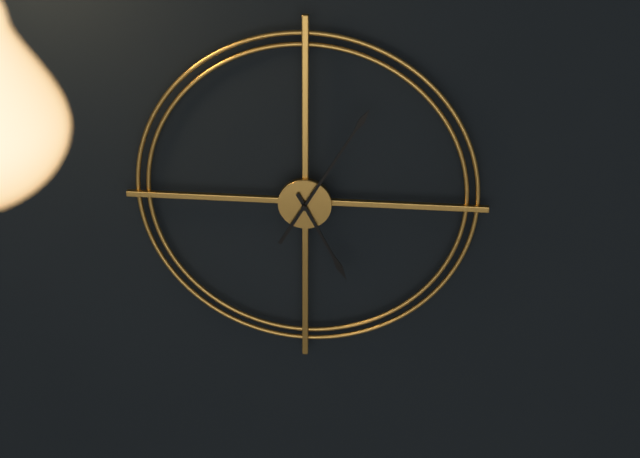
5.05
